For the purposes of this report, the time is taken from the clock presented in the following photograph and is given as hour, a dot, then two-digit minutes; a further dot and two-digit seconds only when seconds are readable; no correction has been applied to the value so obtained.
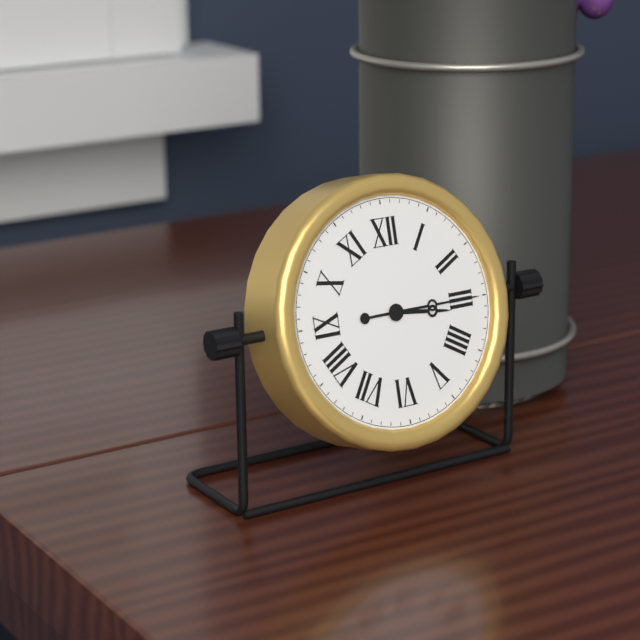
3.15
